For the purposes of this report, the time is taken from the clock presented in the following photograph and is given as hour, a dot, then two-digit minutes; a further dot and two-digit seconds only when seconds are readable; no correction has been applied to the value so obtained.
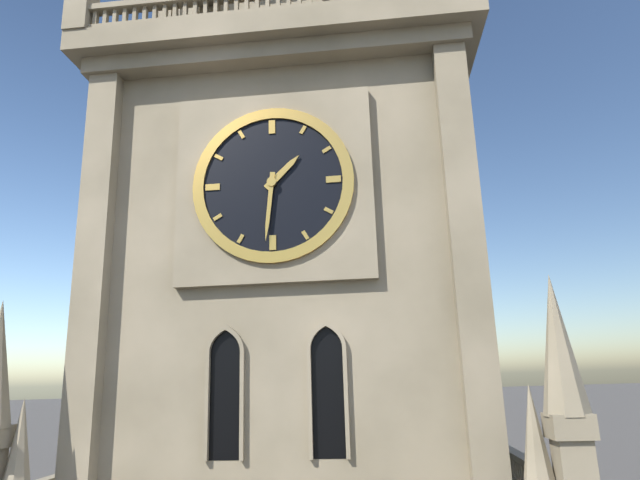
1.31
